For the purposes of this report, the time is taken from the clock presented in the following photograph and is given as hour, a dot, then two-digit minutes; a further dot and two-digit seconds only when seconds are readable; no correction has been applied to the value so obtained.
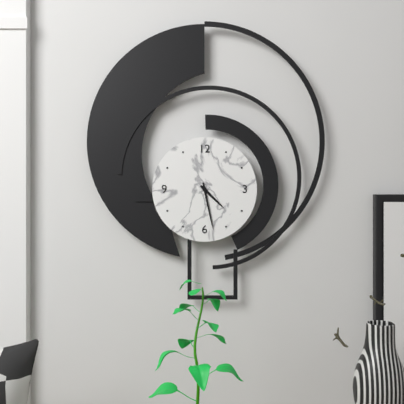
4.28
